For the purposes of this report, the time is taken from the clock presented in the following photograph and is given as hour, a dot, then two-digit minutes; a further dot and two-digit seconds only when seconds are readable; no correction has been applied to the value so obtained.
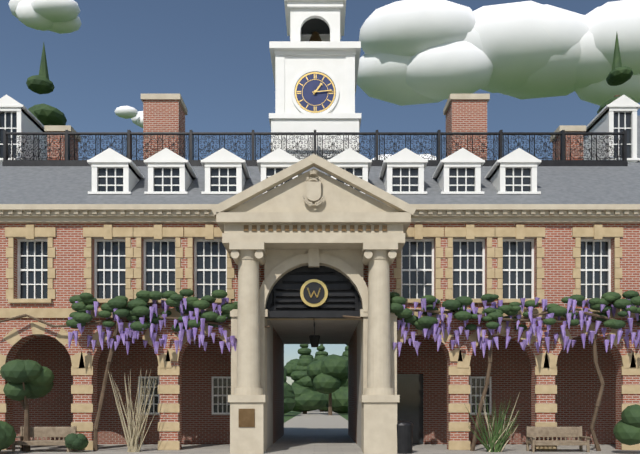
1.14
